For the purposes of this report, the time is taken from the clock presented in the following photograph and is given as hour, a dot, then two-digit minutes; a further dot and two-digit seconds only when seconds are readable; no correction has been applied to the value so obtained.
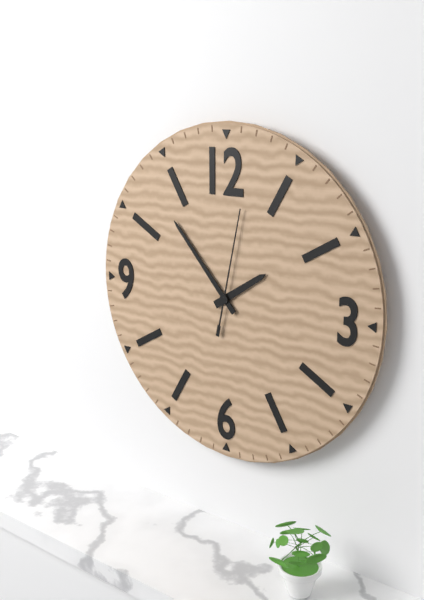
1.53.02
